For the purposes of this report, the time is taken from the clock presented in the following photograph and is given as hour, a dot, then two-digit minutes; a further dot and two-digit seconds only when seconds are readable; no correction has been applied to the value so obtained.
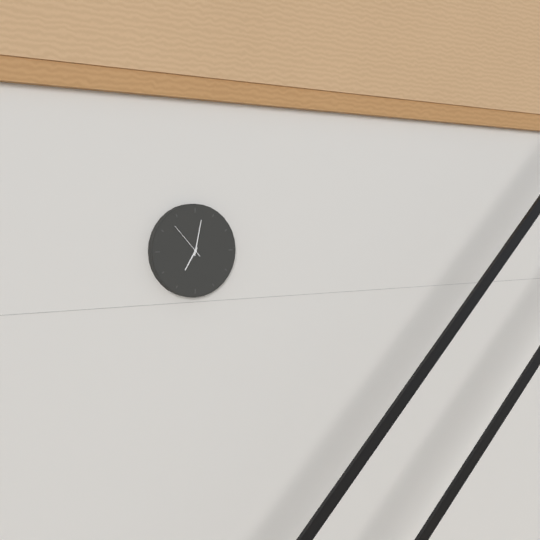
7.02
